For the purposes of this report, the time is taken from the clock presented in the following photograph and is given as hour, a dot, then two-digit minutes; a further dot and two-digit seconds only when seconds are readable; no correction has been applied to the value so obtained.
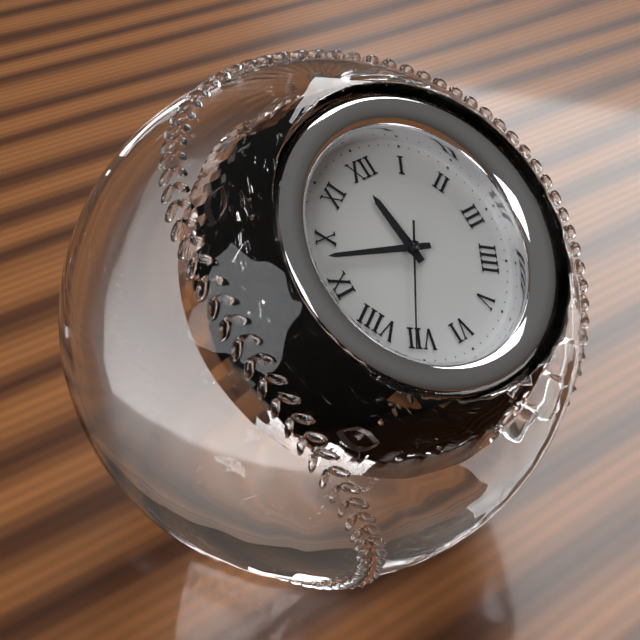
11.48.36
